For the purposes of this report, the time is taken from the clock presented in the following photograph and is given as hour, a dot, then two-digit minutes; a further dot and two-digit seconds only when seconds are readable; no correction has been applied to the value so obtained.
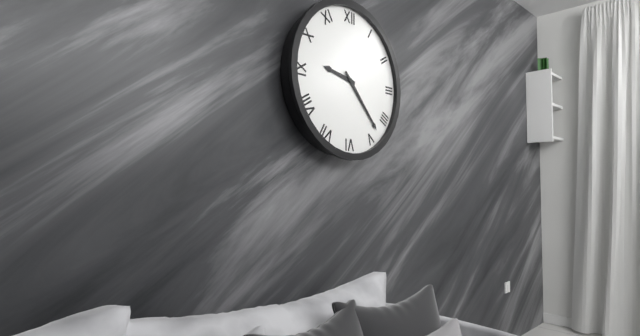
9.23
